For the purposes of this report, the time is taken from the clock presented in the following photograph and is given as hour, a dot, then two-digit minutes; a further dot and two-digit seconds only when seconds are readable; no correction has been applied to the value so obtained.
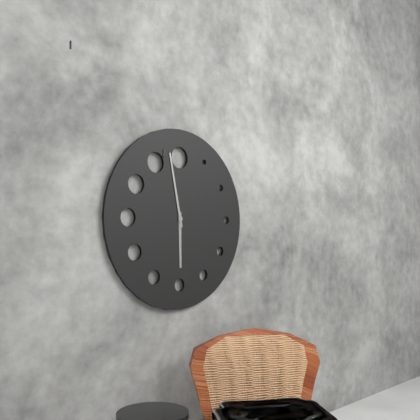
5.58
